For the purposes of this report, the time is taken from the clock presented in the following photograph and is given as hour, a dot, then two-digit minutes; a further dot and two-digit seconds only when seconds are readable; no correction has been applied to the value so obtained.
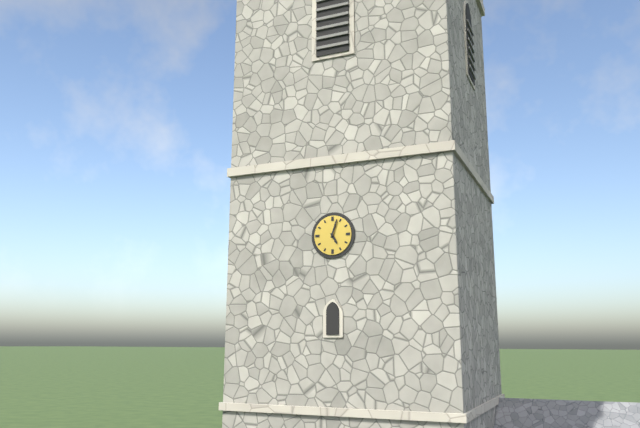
5.03
